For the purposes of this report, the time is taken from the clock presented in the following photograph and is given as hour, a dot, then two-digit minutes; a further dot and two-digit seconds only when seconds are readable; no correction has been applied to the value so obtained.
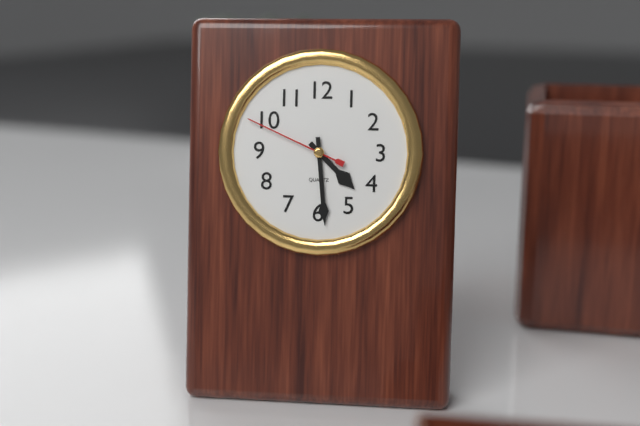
4.29.49
